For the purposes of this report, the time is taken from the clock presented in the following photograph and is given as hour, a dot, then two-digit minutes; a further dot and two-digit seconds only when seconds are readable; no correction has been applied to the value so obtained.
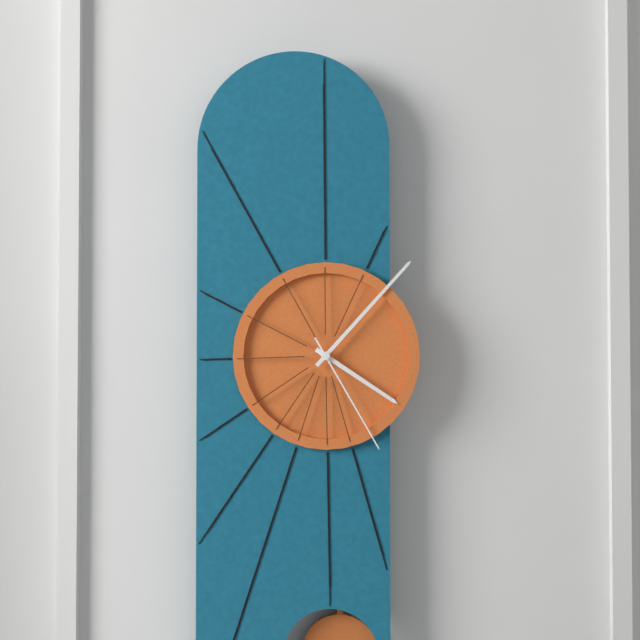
4.07.25
